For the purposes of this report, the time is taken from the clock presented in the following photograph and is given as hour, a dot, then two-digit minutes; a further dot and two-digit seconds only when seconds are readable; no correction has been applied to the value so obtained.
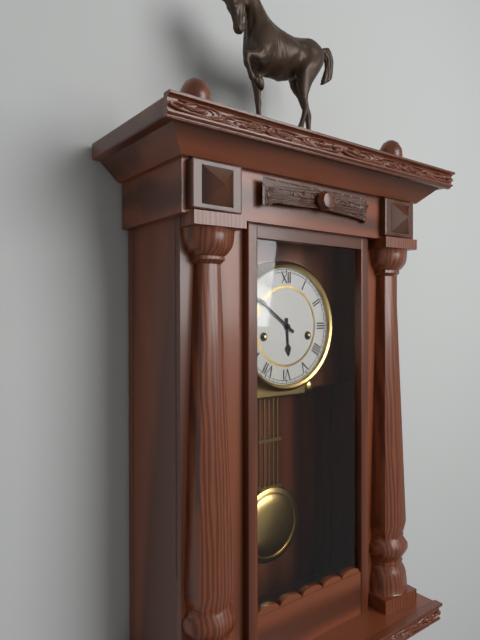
5.51
